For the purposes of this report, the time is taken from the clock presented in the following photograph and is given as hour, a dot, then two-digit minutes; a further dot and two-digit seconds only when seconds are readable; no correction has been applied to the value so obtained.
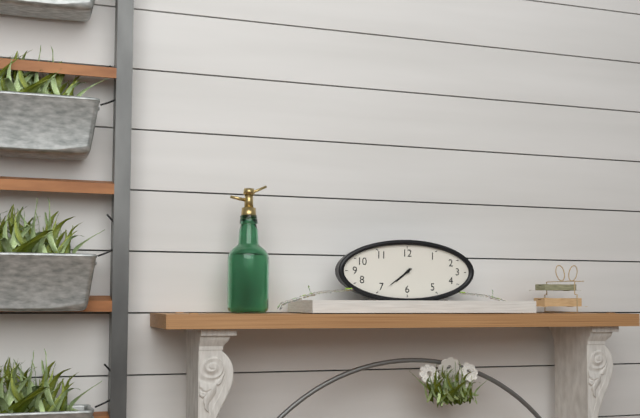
7.39
